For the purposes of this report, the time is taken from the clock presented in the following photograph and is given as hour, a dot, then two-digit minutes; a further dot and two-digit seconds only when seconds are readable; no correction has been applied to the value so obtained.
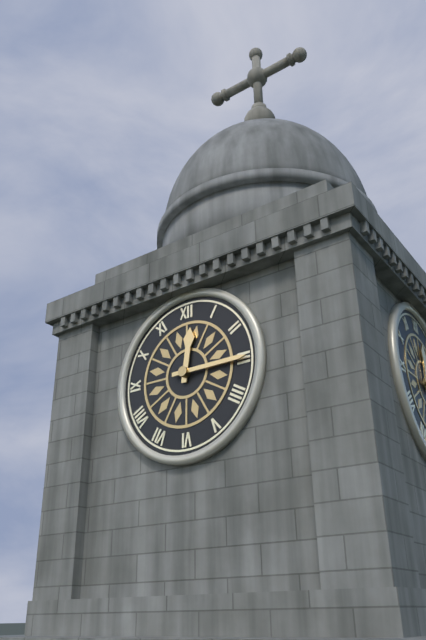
12.15
